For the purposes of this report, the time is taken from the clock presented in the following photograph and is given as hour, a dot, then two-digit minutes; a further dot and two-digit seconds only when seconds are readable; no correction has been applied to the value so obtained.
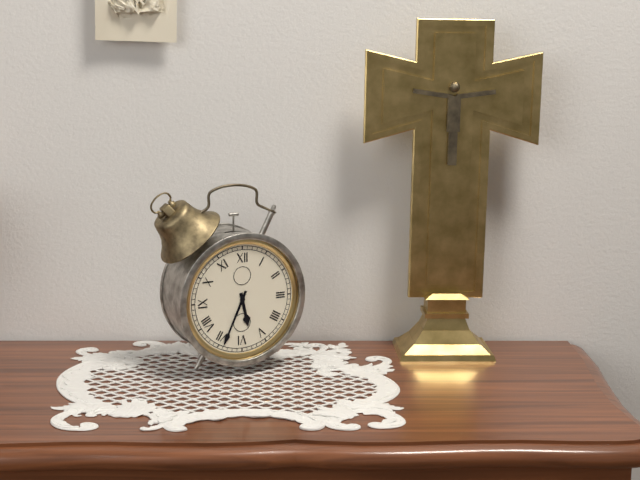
5.34
